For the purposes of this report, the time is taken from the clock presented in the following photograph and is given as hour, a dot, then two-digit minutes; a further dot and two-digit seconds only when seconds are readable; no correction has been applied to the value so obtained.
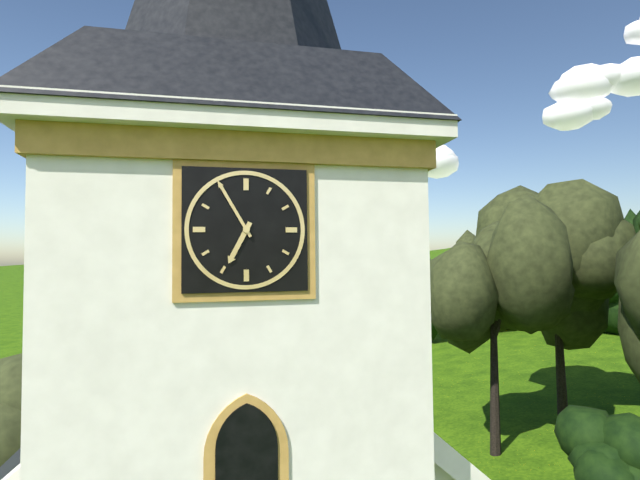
6.55
